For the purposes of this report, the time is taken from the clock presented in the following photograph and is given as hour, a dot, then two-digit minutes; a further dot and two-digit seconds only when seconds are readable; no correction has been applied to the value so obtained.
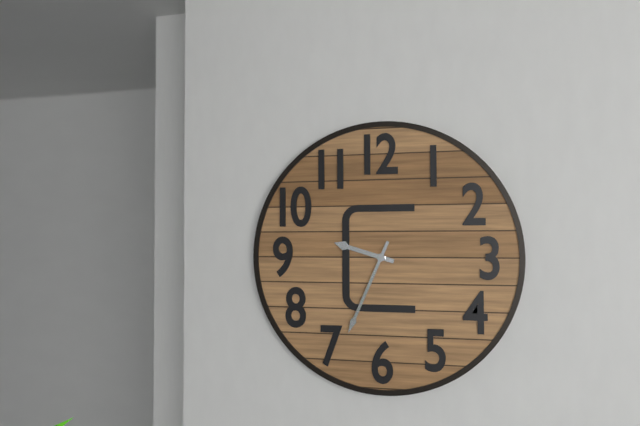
9.34
